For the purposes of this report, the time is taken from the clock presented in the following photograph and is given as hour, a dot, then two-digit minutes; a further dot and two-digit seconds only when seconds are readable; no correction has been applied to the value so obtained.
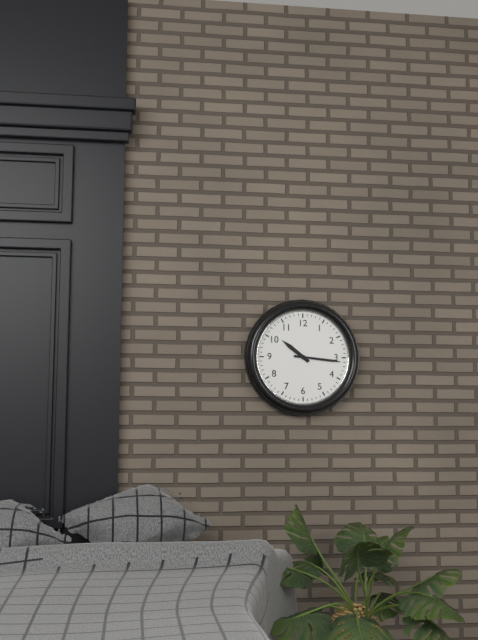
10.16
